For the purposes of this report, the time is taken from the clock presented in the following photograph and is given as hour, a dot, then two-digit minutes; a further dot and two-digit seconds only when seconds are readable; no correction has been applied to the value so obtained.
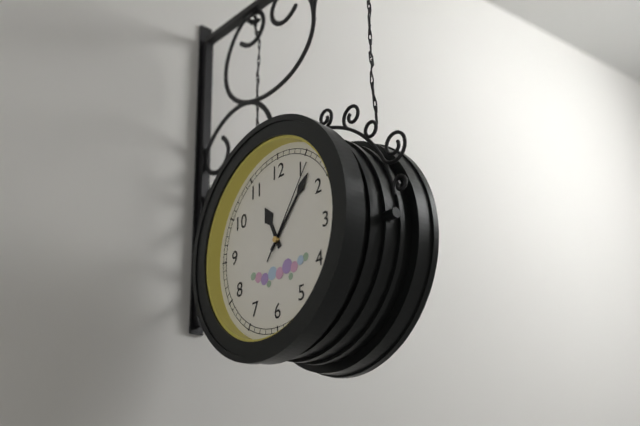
11.07.06
